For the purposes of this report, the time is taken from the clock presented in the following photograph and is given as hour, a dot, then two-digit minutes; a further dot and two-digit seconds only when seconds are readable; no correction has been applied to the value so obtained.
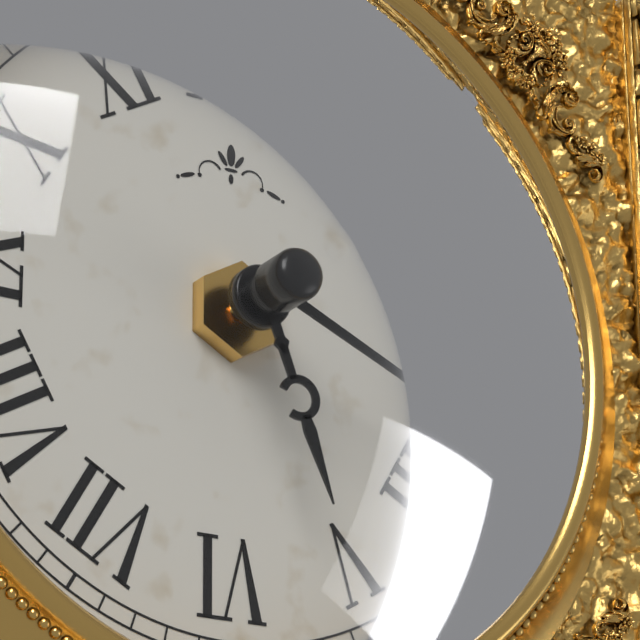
5.19
